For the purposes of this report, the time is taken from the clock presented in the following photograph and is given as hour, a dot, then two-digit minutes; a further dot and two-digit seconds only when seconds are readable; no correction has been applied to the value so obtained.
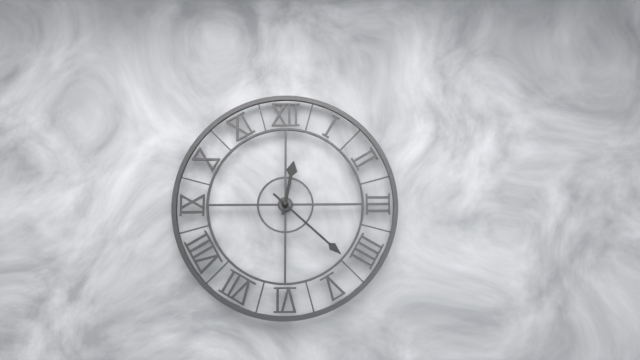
12.22
